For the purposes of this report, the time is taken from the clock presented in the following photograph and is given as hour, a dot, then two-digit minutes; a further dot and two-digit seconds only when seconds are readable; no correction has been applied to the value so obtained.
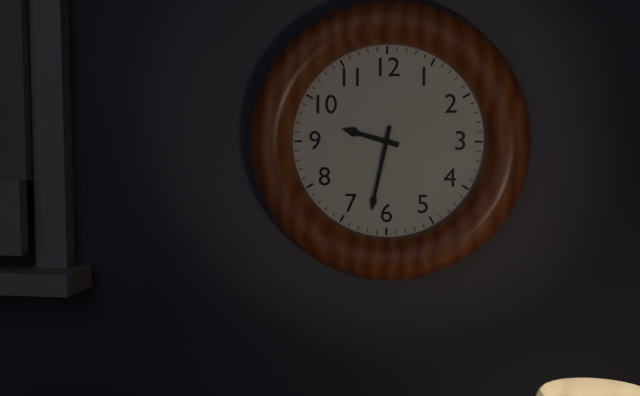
9.32
